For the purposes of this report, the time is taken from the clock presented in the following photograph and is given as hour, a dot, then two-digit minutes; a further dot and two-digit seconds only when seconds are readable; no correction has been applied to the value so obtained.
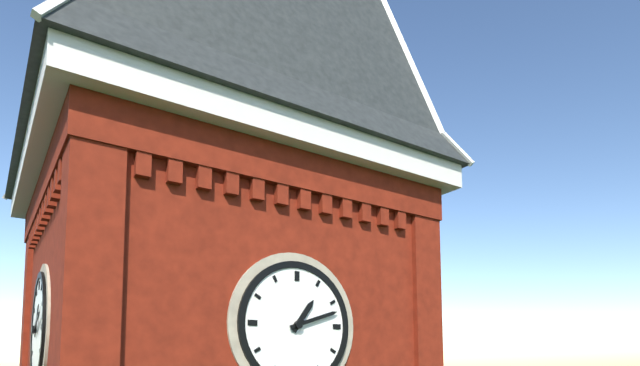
1.12
